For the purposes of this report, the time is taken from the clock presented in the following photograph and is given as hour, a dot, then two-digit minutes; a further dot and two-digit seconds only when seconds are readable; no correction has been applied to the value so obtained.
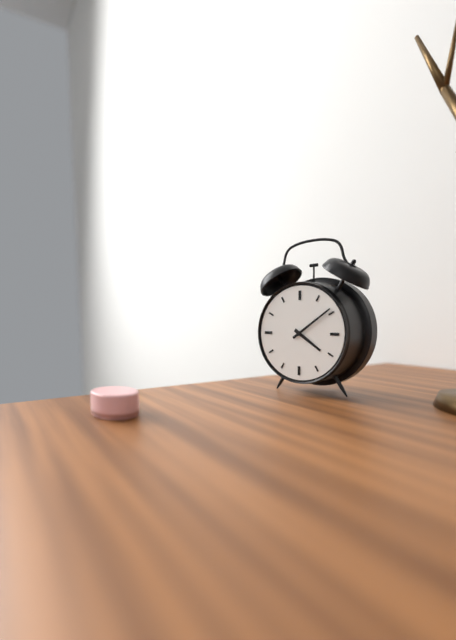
4.09
